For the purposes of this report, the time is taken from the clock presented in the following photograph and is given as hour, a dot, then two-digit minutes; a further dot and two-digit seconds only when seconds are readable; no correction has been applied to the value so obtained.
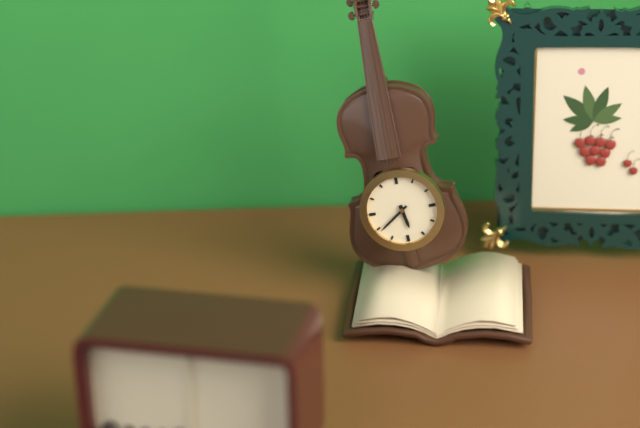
5.39
